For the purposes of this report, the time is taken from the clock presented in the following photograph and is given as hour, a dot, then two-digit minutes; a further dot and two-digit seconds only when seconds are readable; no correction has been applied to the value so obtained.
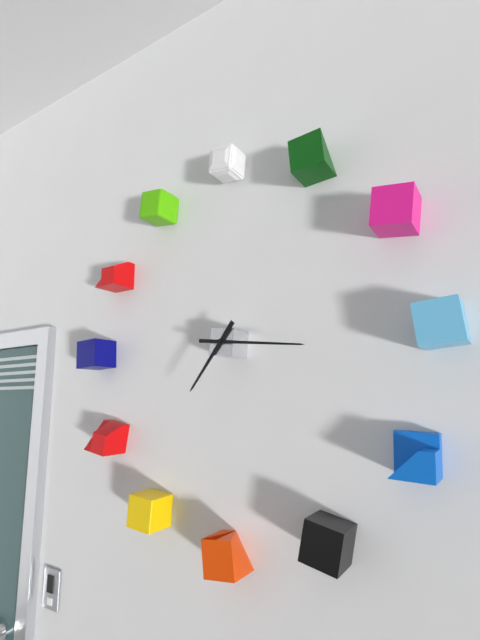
7.16
